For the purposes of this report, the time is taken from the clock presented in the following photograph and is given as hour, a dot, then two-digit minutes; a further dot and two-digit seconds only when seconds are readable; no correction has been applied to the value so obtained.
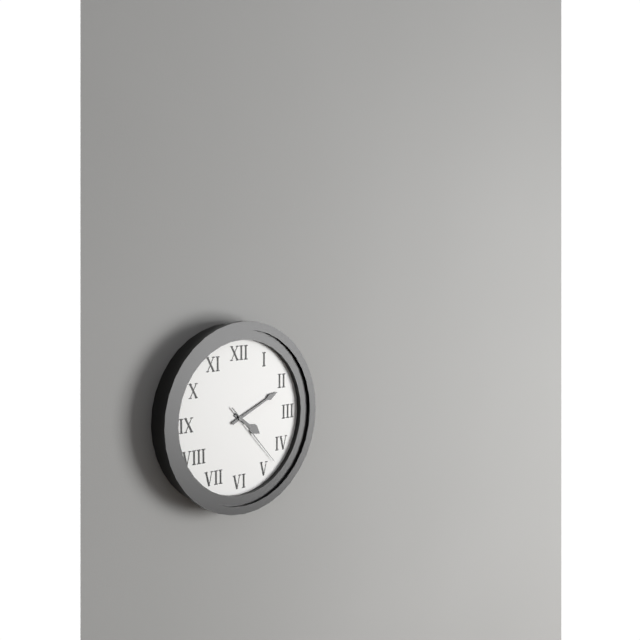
4.11.23
